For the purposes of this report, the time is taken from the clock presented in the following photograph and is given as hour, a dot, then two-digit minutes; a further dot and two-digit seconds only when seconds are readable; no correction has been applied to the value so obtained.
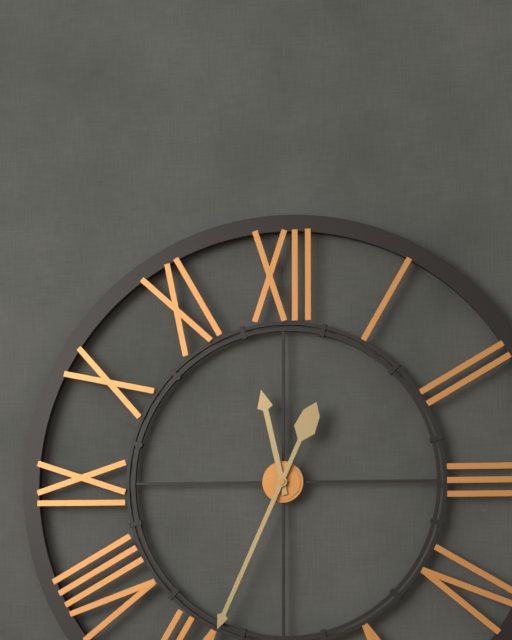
11.34
